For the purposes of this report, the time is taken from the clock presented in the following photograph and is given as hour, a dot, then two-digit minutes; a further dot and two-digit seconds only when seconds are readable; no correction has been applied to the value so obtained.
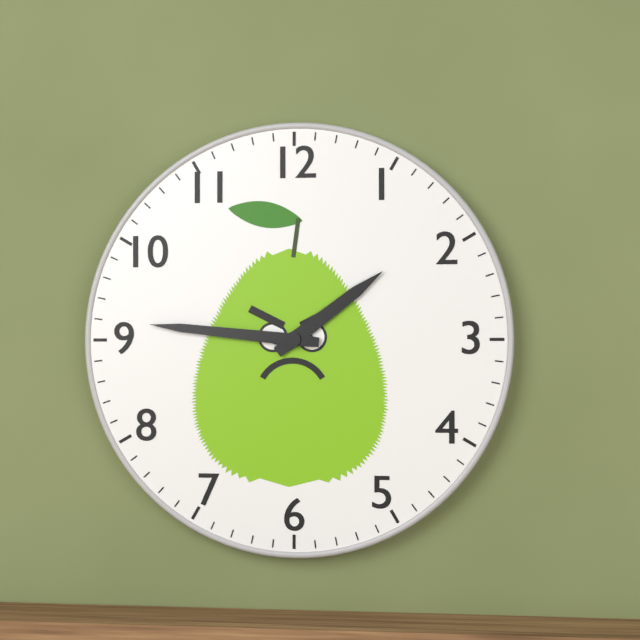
1.46
